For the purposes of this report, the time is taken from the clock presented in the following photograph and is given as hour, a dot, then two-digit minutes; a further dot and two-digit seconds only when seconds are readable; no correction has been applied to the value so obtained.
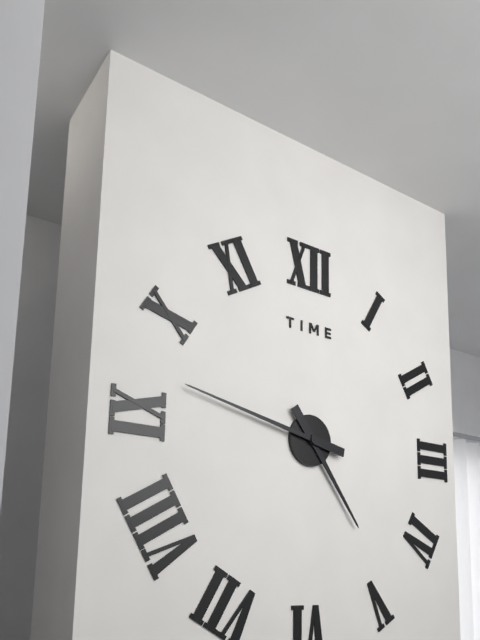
4.47
